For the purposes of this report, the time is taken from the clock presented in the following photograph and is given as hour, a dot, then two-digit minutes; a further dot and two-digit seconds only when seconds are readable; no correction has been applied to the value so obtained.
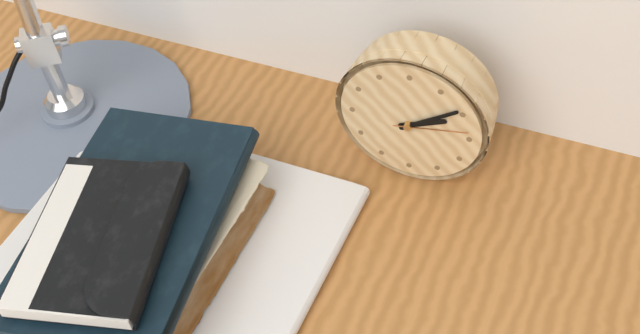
2.09.13
